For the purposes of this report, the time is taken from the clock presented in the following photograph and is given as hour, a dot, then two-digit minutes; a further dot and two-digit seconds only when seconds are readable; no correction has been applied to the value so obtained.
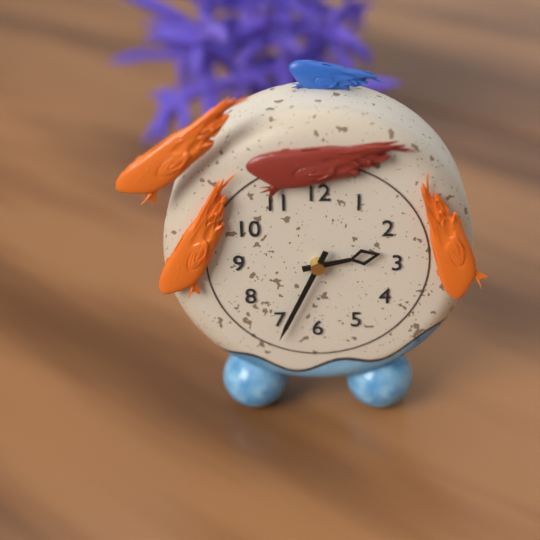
2.34
